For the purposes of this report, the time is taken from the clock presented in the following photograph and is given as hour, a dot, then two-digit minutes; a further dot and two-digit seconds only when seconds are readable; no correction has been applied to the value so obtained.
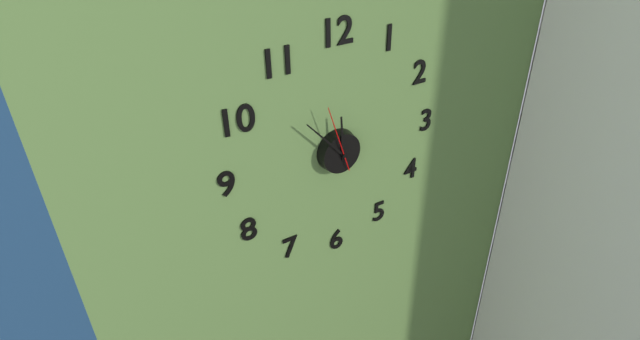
11.53.57
